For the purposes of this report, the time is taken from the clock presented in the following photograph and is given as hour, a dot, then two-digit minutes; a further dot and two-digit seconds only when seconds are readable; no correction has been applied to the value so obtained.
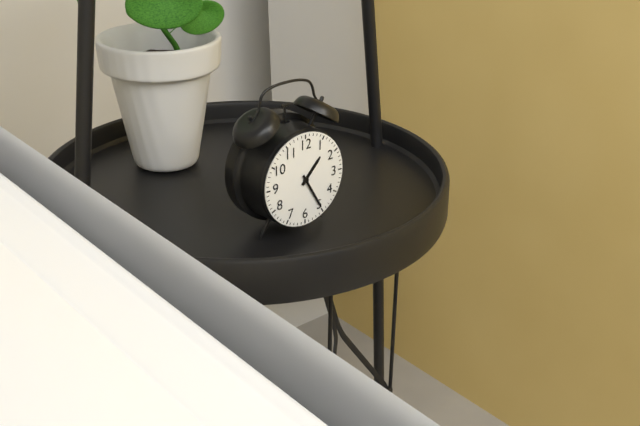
1.25
